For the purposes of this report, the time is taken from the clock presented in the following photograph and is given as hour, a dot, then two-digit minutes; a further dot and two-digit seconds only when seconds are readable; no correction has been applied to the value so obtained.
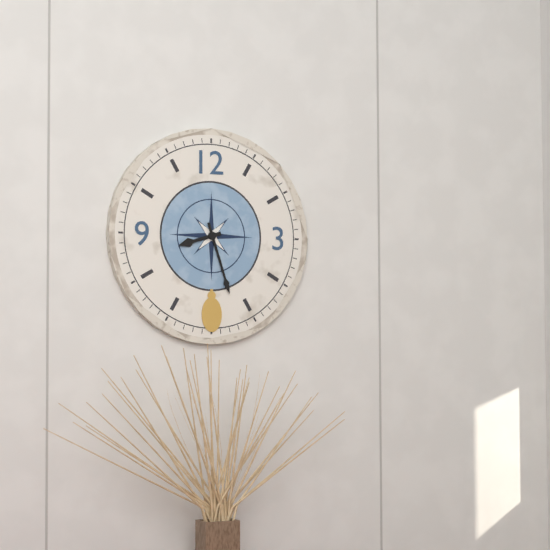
8.27
